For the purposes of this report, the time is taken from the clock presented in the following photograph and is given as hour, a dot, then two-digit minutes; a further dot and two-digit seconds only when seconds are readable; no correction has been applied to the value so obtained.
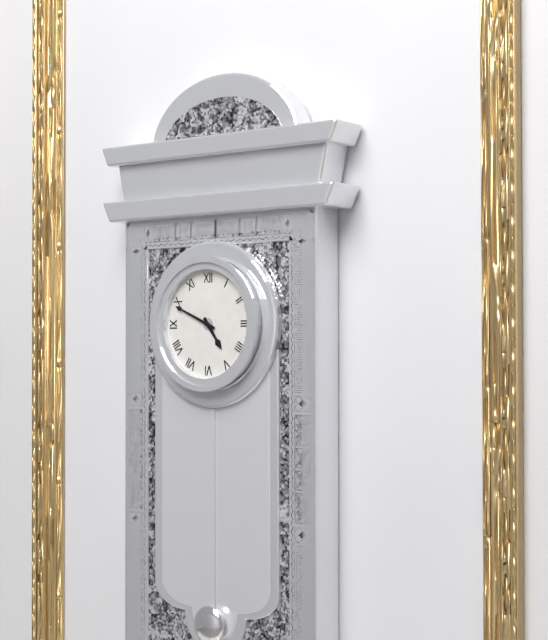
4.49
